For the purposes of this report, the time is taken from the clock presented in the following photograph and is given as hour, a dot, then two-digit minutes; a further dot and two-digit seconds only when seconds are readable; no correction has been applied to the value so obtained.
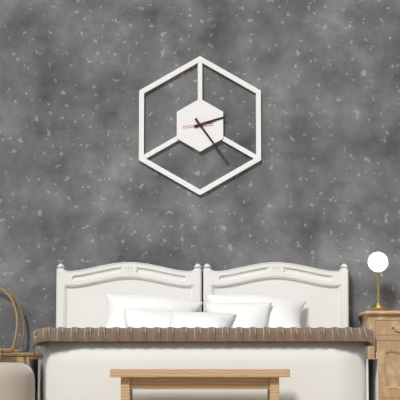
2.24
